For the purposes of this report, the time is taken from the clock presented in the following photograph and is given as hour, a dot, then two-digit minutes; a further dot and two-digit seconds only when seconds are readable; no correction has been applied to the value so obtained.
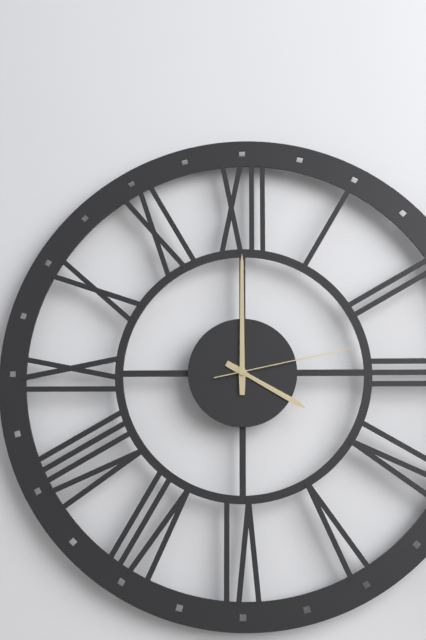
4.00.13
